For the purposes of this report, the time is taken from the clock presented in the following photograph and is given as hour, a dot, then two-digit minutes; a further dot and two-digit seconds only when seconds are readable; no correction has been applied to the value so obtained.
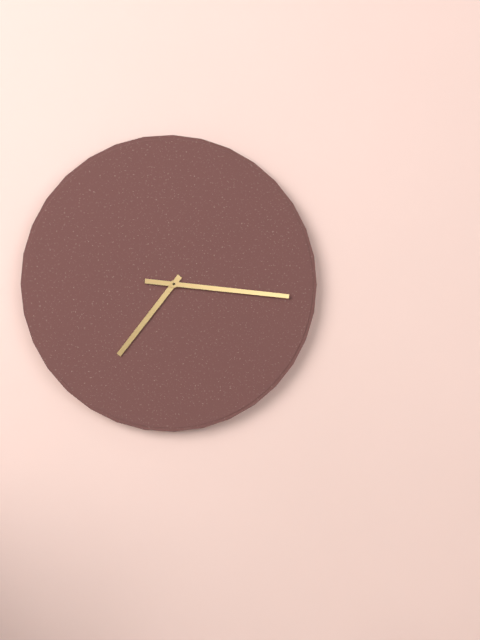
7.16
